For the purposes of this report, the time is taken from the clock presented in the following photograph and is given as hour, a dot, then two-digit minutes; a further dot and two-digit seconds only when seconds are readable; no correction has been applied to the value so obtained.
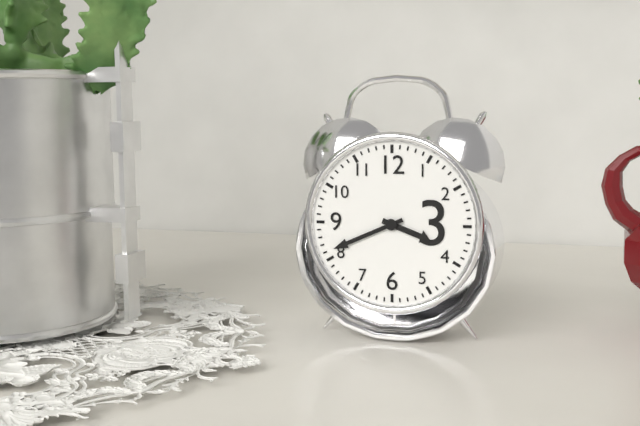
3.41
